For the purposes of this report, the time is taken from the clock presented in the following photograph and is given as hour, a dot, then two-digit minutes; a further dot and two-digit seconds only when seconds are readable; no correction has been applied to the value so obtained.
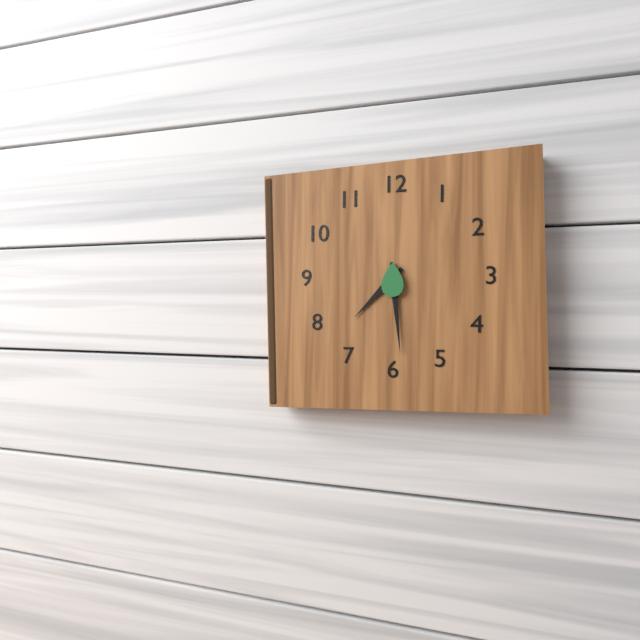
7.29
